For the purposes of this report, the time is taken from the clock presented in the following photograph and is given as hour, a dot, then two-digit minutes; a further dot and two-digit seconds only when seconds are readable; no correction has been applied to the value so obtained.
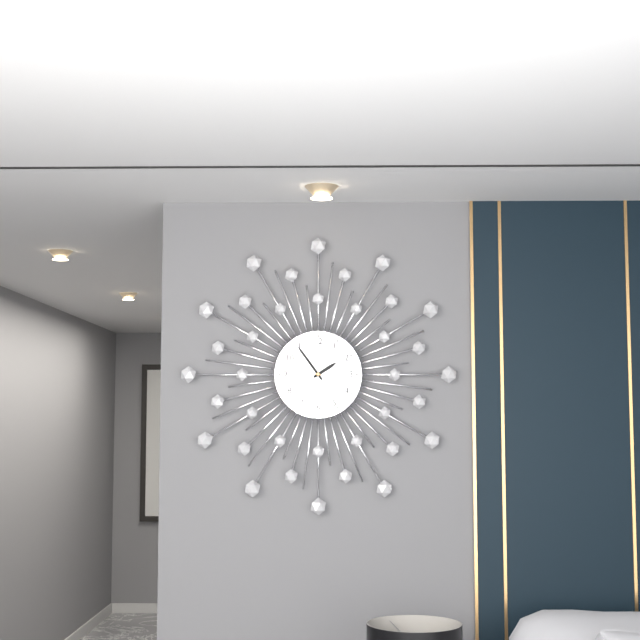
1.54
